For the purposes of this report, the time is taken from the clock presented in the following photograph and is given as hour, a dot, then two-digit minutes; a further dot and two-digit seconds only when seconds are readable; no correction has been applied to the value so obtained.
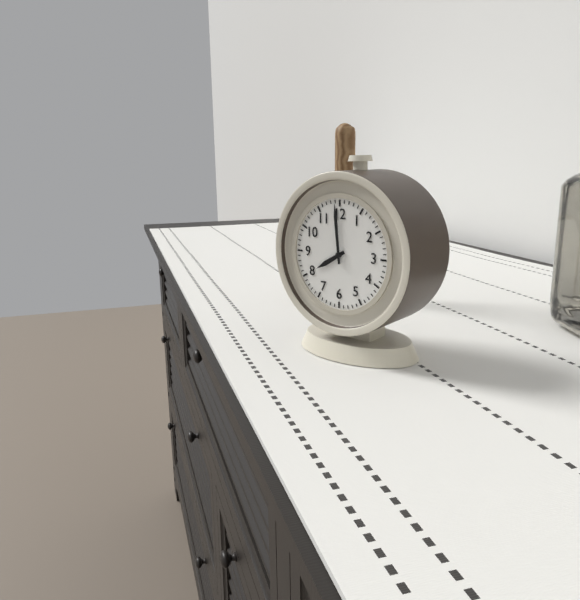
7.59
